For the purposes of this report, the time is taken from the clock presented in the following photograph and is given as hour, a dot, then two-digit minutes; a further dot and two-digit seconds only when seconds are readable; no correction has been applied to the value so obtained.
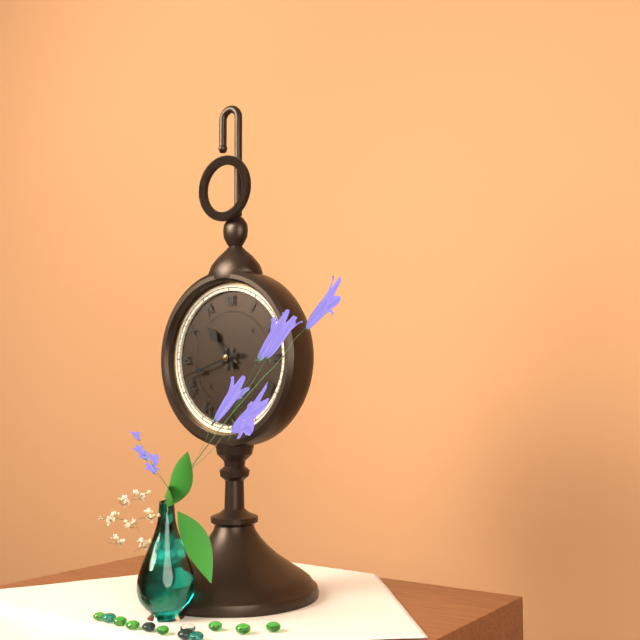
10.42
